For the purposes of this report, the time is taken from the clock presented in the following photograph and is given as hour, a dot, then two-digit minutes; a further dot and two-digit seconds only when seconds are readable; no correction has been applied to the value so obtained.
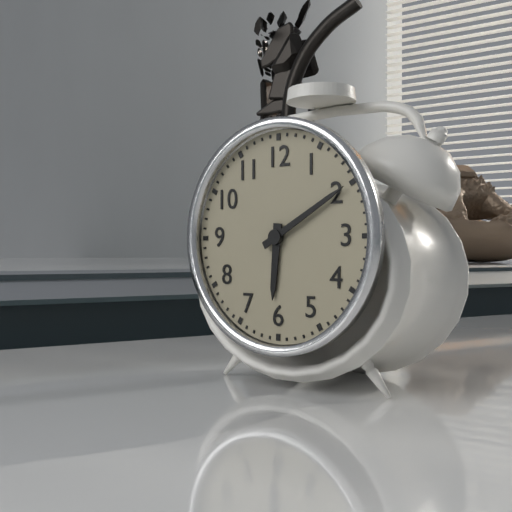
6.10
